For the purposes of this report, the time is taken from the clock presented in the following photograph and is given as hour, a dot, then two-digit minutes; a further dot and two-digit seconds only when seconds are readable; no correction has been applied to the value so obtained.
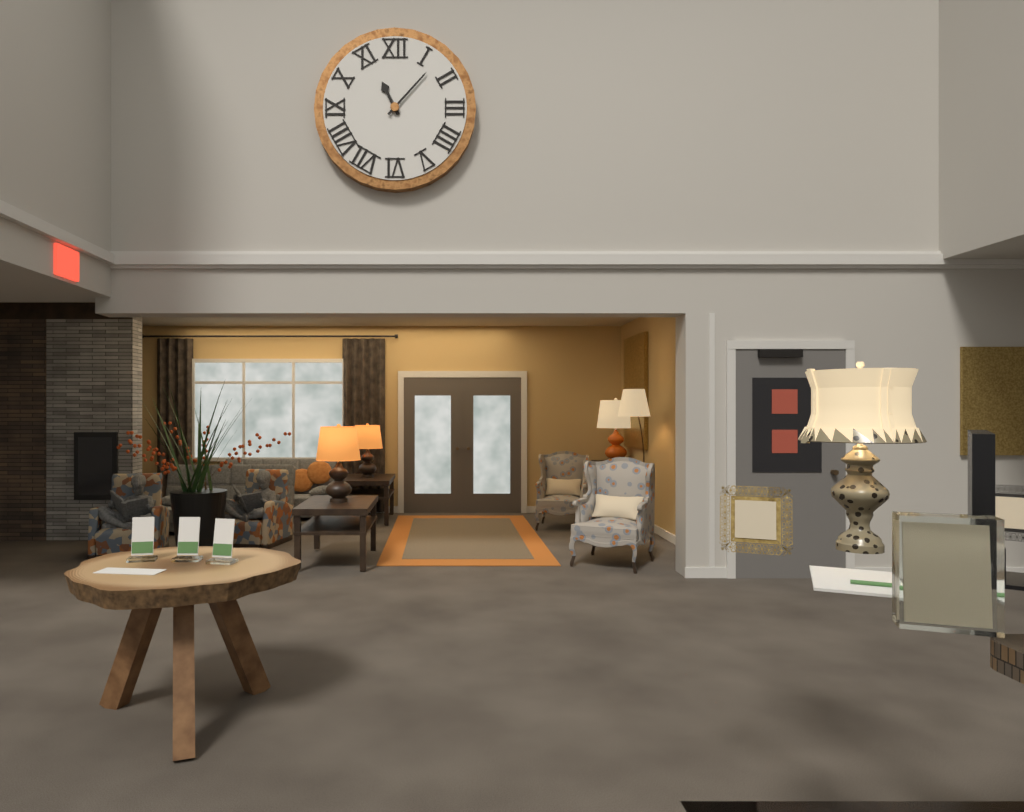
11.07
